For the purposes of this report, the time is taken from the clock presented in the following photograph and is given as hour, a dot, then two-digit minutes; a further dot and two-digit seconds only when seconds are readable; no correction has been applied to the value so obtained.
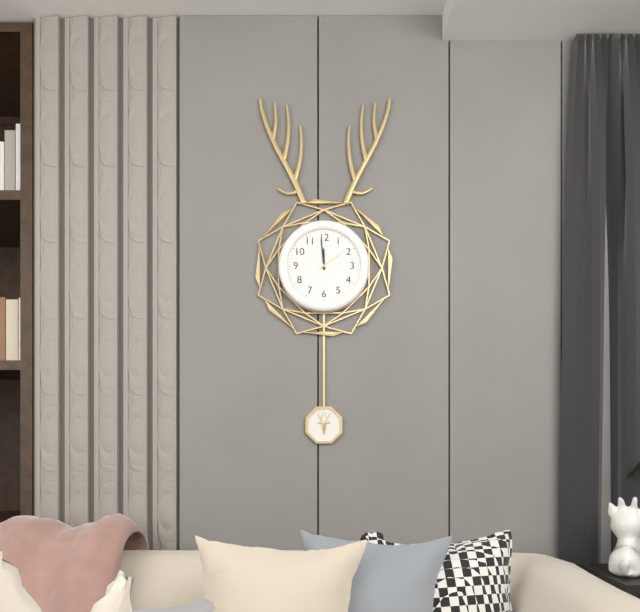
11.59
